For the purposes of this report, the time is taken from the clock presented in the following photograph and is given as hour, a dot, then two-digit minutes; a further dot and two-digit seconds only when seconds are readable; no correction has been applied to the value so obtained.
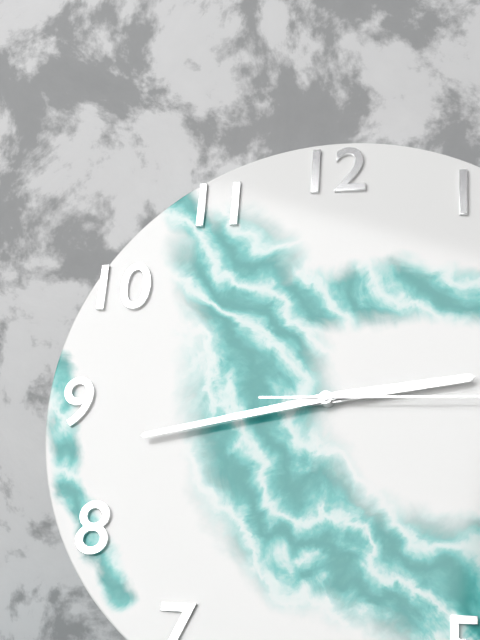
2.43
